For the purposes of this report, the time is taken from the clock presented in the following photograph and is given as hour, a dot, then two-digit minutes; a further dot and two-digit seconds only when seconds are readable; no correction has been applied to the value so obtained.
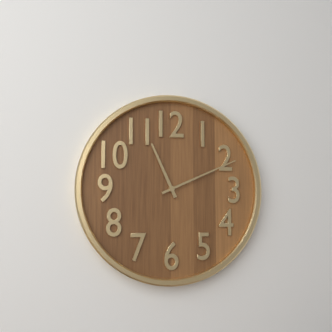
11.11
